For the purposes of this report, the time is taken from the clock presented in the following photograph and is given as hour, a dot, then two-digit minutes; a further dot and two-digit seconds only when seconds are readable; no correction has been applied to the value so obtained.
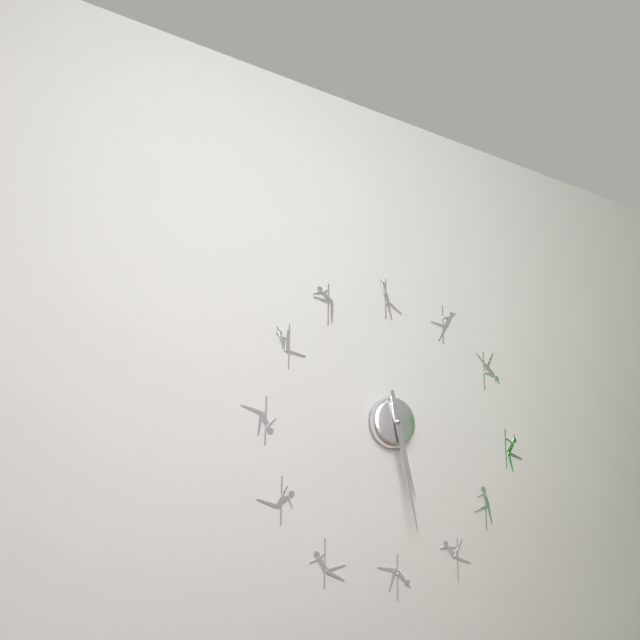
5.28
